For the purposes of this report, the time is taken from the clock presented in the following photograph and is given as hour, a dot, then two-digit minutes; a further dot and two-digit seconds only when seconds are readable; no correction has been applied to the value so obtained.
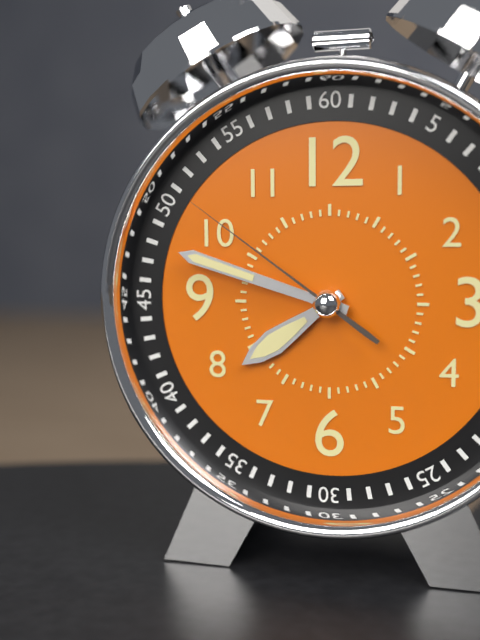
7.48.51
